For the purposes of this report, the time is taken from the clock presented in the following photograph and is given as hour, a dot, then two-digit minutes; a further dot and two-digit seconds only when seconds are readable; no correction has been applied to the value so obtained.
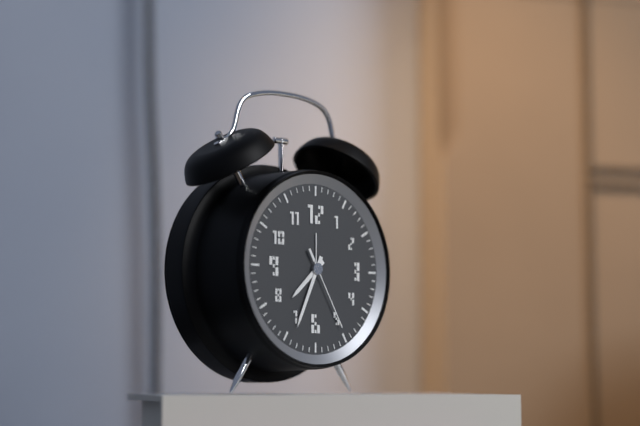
7.34.25
